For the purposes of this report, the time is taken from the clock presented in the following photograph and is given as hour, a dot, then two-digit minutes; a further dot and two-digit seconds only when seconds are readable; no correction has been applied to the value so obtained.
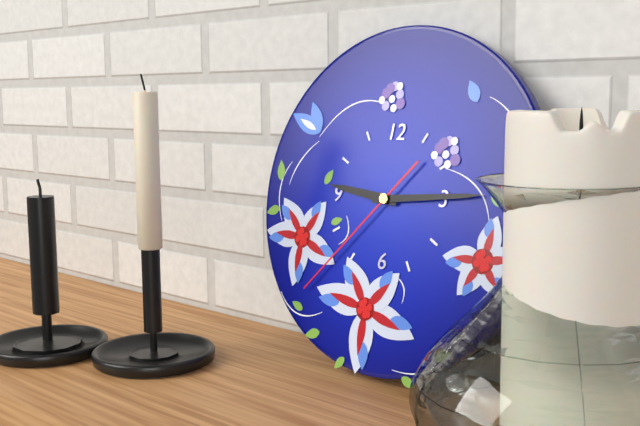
9.14.37
